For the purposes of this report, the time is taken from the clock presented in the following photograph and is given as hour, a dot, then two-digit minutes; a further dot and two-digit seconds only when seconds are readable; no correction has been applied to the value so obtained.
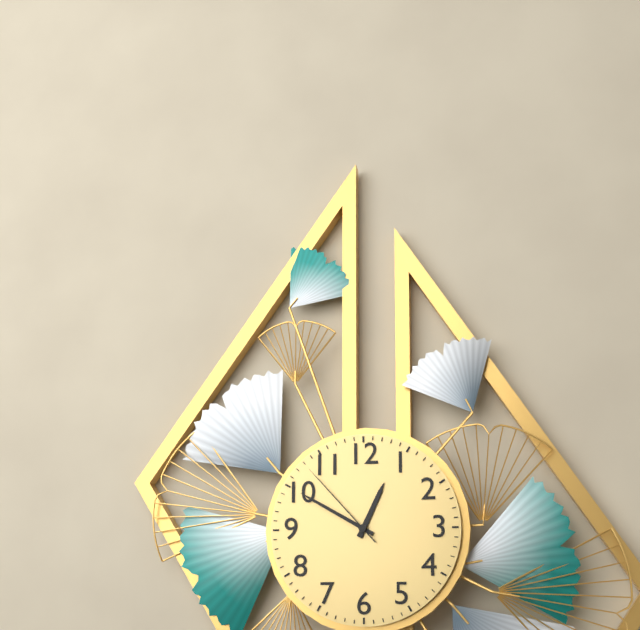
12.50.53
